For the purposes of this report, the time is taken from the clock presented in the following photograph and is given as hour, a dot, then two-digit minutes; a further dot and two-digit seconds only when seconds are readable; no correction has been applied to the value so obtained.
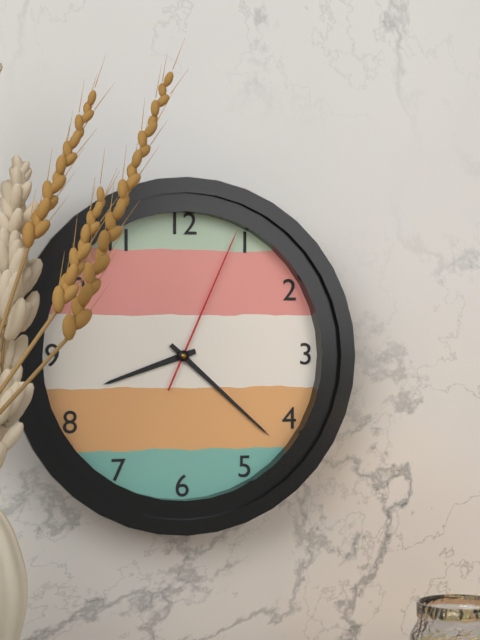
8.22.04
